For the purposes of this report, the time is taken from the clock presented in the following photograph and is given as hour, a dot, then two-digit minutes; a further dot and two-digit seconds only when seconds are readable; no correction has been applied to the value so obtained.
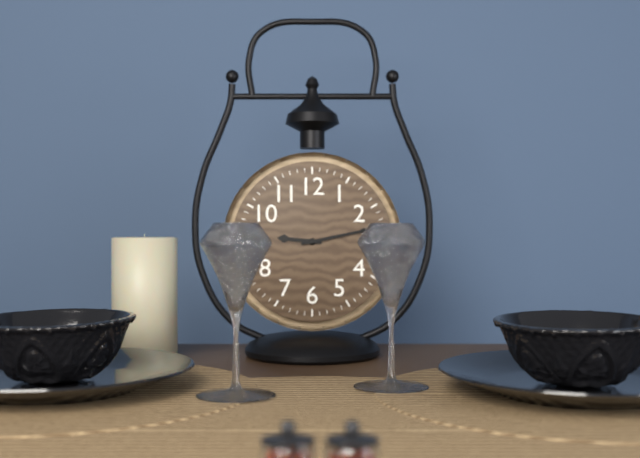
9.13
